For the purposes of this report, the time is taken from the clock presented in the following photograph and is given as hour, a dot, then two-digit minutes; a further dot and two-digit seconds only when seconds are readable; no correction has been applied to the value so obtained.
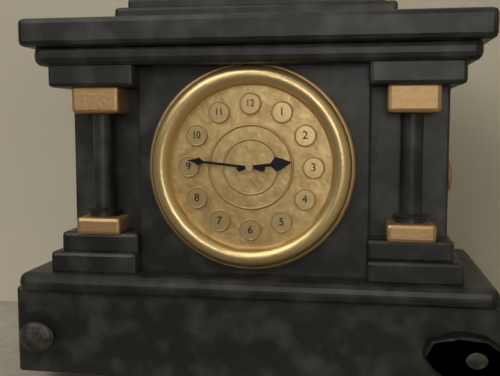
2.46
